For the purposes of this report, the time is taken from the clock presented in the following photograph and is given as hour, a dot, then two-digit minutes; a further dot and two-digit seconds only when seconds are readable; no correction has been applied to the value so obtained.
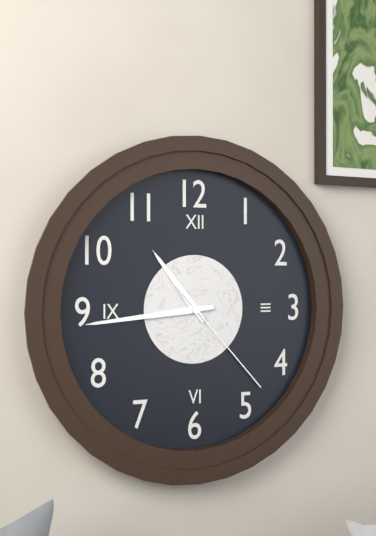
10.44.23
